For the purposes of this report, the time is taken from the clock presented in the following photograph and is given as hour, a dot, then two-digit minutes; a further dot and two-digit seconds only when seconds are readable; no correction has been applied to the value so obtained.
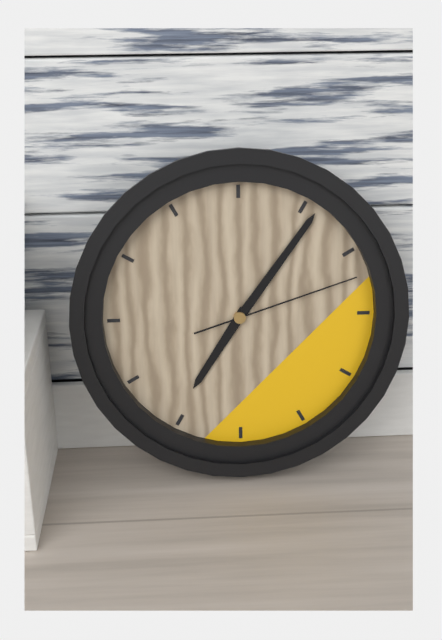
7.06.12
